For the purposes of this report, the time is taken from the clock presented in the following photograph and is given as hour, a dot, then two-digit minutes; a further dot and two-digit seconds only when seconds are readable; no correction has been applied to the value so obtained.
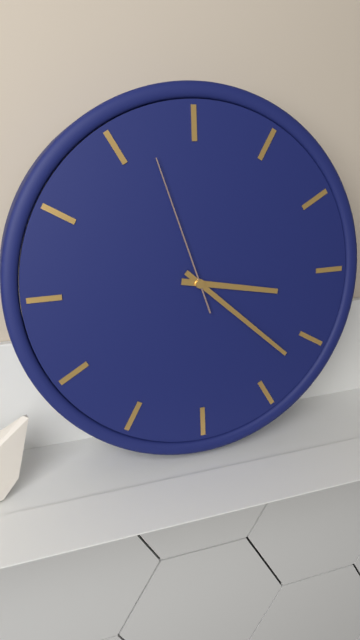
3.22.57
